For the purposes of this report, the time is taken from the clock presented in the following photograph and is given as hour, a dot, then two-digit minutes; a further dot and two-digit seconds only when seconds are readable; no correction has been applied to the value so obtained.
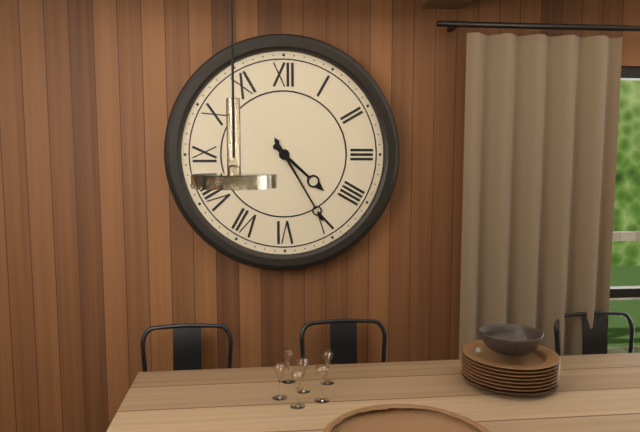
4.25
